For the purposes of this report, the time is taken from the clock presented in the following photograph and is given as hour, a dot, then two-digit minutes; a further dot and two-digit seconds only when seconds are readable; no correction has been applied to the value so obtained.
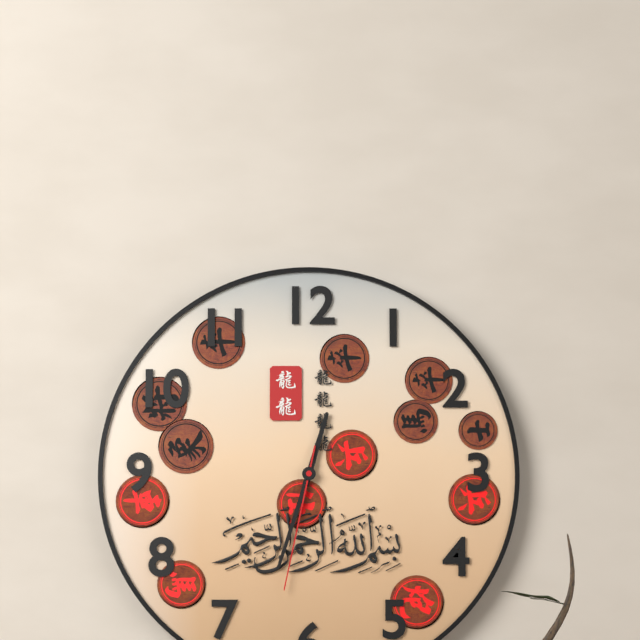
12.33.32
